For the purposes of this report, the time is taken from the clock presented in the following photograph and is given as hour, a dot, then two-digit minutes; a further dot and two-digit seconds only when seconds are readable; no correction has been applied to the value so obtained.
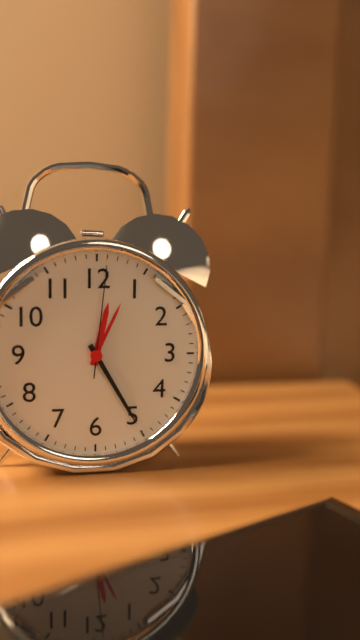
12.25.01
